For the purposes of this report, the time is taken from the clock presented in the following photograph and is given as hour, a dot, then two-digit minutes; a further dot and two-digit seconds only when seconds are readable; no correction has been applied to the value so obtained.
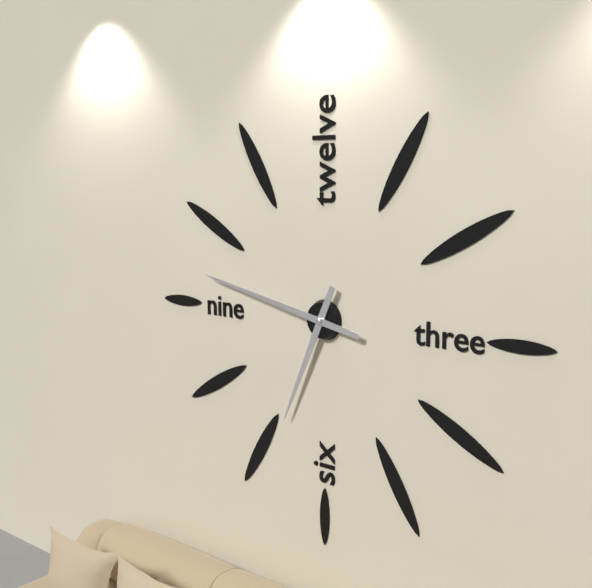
6.47
